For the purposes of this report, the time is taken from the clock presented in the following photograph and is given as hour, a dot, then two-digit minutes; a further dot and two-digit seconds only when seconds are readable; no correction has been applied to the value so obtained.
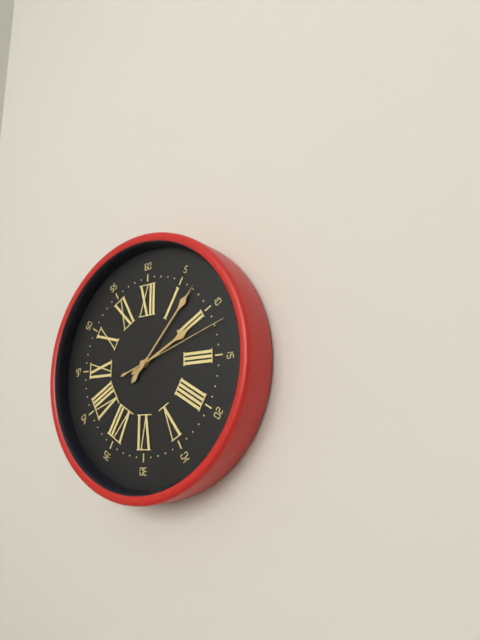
2.07.12
